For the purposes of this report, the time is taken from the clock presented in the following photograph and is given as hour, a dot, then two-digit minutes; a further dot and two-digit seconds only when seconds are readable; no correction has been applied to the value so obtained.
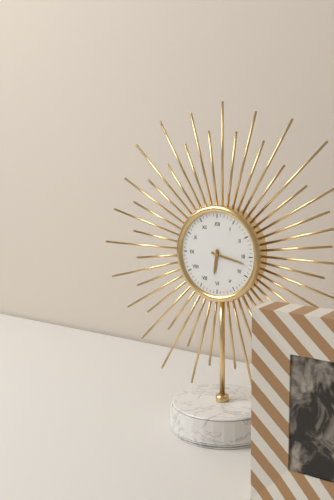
6.17
